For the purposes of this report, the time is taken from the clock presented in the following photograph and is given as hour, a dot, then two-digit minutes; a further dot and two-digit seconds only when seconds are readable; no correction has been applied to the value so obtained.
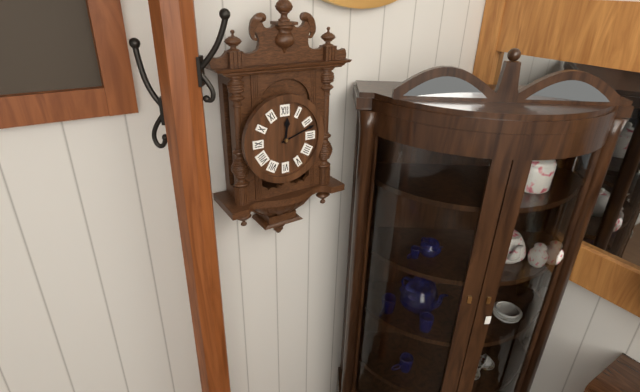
12.12
